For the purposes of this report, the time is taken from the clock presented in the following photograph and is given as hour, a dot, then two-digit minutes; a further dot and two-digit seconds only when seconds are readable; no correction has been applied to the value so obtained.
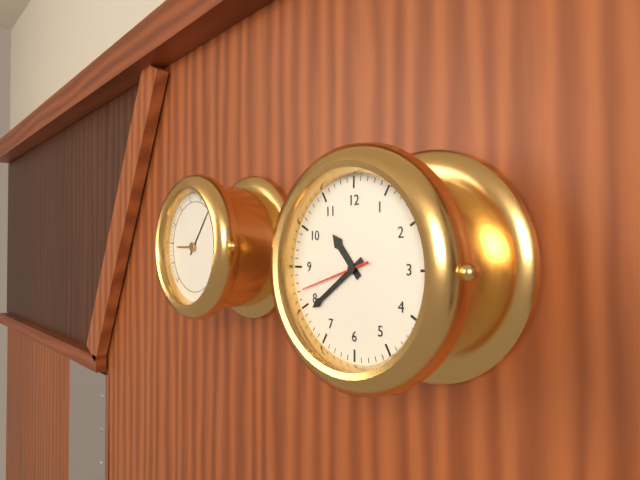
10.39.42
